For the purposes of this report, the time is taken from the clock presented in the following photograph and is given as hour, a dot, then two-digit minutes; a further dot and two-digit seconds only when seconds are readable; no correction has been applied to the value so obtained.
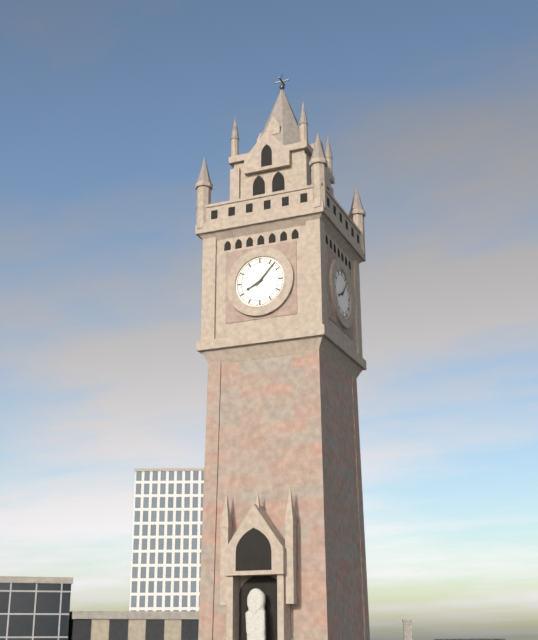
8.07
